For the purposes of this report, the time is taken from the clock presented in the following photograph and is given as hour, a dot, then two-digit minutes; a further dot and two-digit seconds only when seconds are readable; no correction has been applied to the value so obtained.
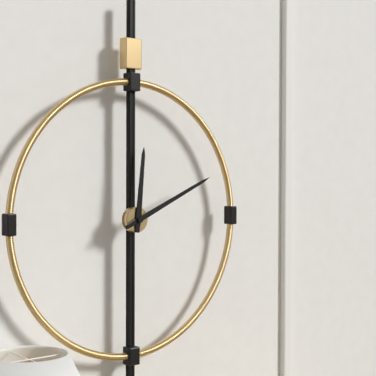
12.11
